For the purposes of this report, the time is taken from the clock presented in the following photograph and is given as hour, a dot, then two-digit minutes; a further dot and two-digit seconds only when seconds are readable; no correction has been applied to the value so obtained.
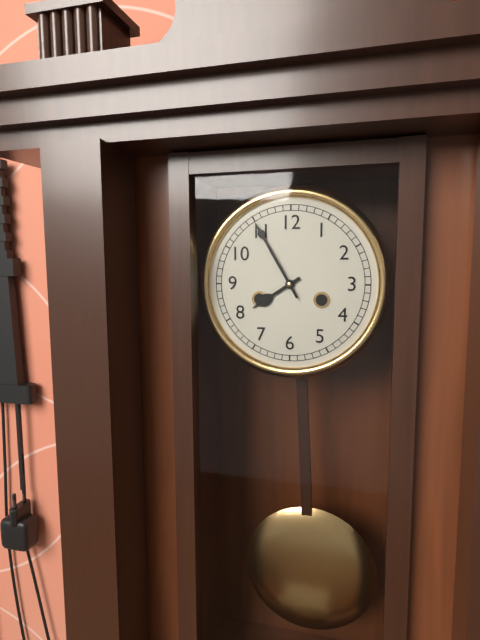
7.55
